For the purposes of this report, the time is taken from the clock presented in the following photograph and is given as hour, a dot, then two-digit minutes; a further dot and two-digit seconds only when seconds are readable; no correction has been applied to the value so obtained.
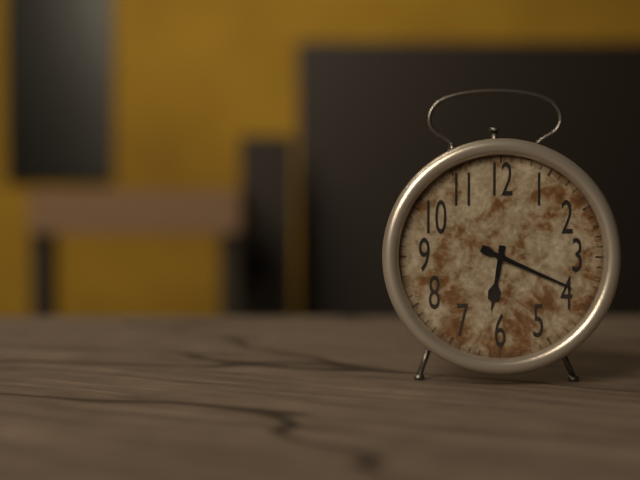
6.19
